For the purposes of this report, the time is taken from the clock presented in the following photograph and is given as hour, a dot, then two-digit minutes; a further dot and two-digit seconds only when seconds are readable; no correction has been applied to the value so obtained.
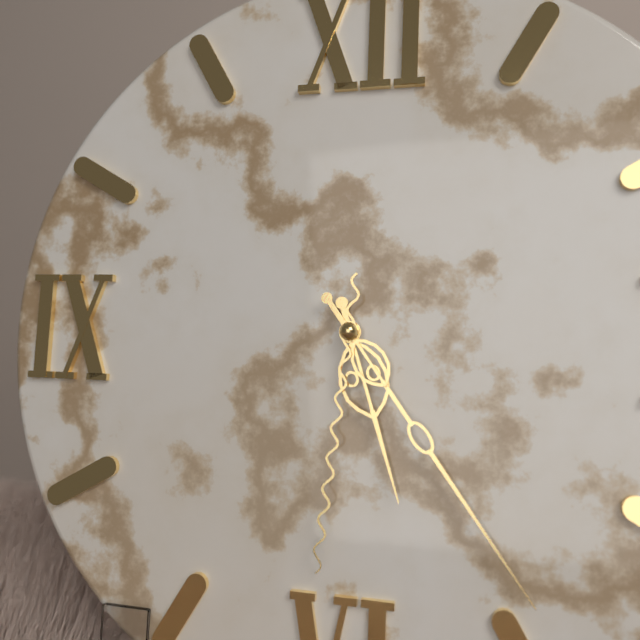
5.24.31
